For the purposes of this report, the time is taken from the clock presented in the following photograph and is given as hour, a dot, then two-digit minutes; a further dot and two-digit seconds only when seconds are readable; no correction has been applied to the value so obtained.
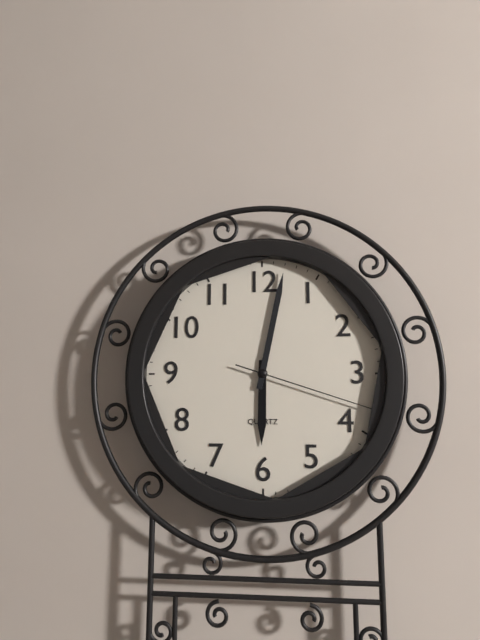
6.02.18
